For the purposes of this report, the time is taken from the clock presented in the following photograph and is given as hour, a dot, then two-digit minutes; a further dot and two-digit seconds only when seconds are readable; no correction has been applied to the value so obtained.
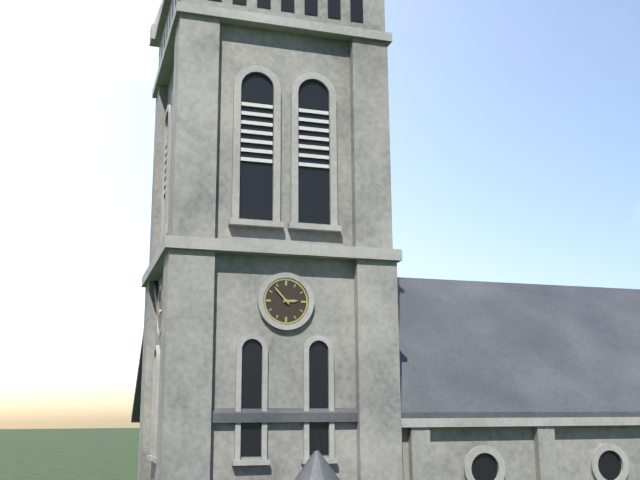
2.53
